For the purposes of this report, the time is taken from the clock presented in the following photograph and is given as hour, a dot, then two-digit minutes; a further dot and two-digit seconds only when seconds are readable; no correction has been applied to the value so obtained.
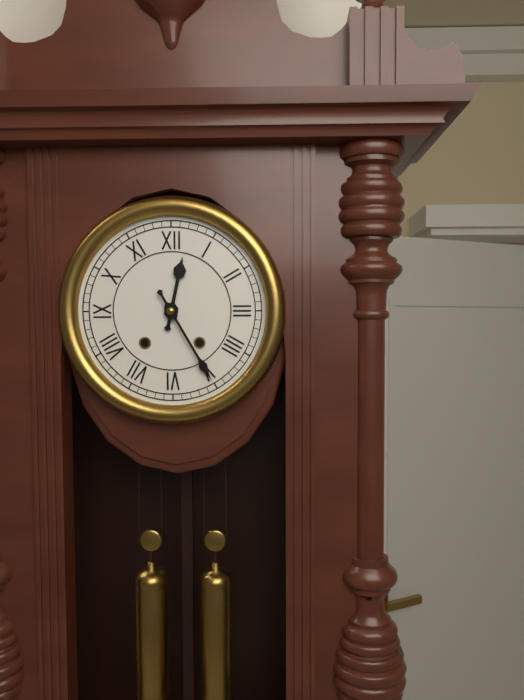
12.25
